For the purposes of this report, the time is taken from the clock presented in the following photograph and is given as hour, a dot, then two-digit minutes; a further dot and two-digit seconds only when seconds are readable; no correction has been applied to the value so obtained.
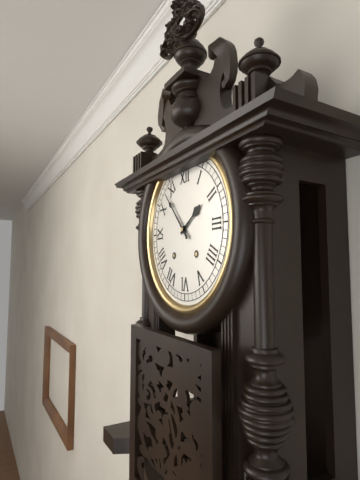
1.53
